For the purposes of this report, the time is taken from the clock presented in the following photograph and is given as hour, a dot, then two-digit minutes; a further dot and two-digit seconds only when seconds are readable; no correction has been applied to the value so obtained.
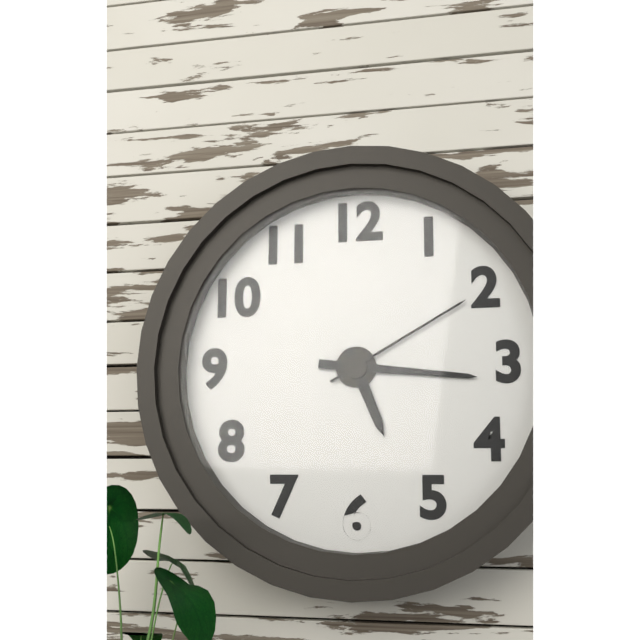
5.16.10
